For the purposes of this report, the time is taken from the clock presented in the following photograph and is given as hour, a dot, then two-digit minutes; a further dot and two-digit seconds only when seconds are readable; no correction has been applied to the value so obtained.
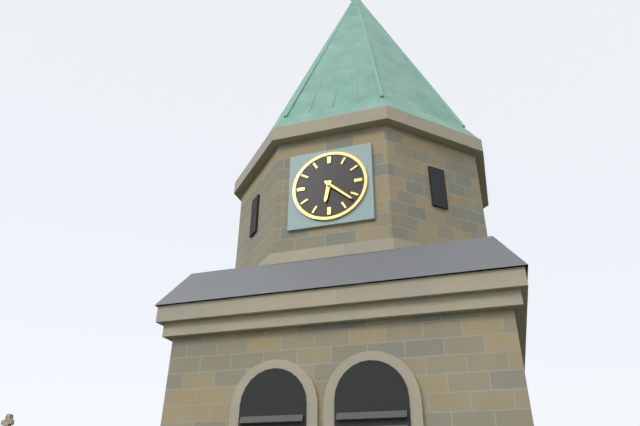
6.22
